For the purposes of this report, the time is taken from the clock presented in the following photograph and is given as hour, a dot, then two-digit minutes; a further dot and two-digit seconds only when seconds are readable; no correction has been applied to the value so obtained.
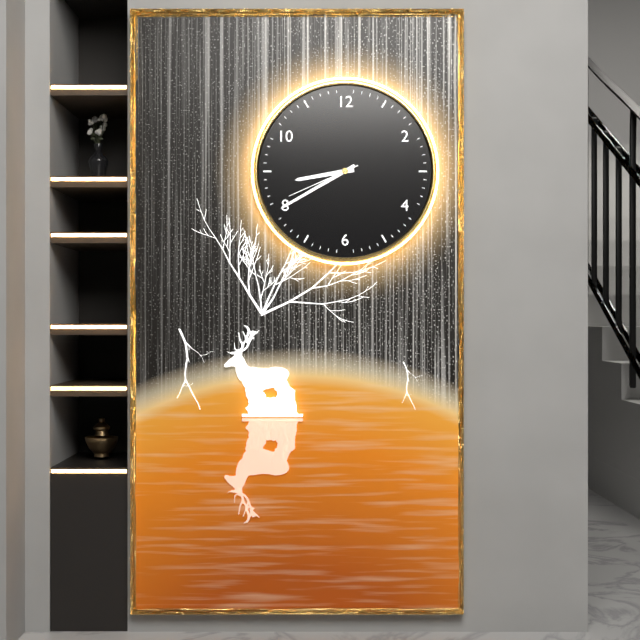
8.40.41
